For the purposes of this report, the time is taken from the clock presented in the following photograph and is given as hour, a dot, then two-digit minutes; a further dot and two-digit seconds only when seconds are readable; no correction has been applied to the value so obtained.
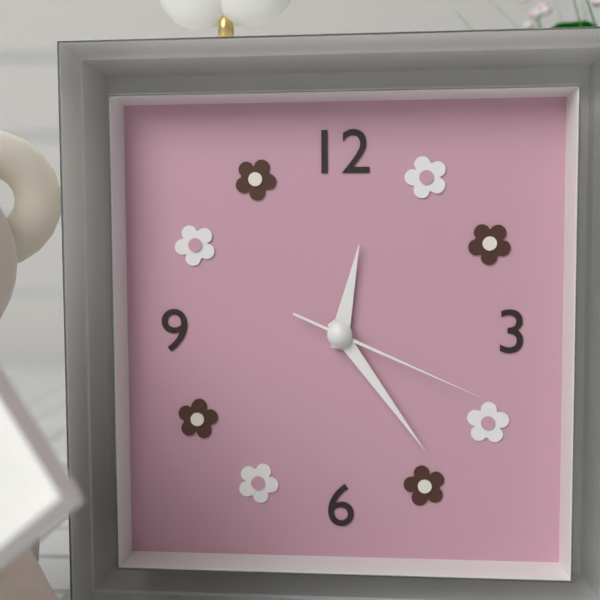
12.24.19
